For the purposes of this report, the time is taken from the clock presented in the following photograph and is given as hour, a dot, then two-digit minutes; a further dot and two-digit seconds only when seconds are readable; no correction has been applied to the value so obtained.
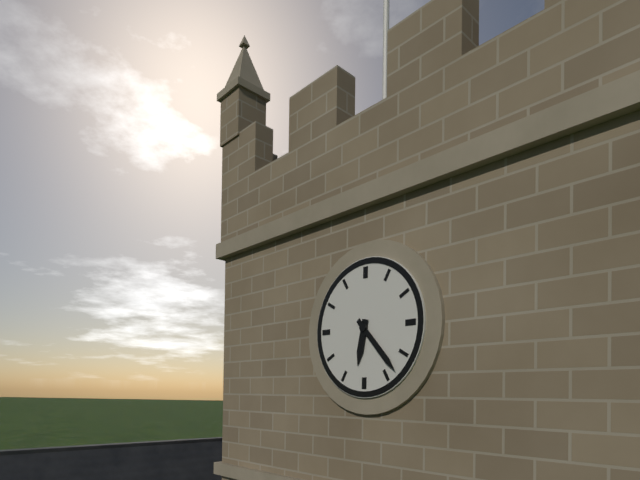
6.23
